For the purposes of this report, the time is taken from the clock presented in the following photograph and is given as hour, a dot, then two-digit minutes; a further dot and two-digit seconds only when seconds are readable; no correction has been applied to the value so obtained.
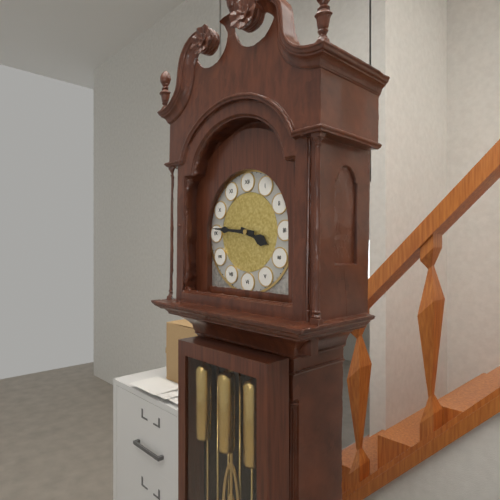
3.46
